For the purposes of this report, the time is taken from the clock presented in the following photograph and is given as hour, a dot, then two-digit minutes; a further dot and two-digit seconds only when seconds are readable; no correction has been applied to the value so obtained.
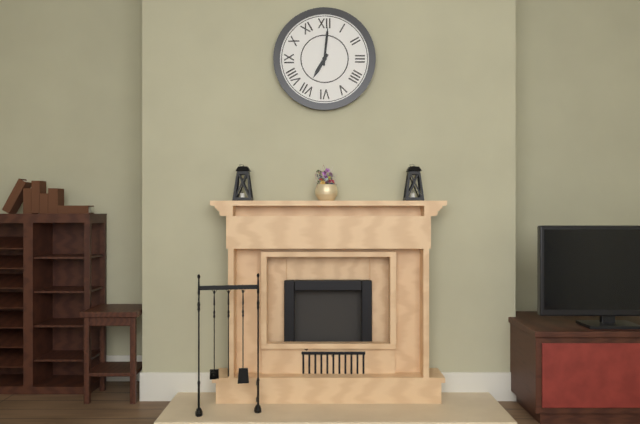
7.01
